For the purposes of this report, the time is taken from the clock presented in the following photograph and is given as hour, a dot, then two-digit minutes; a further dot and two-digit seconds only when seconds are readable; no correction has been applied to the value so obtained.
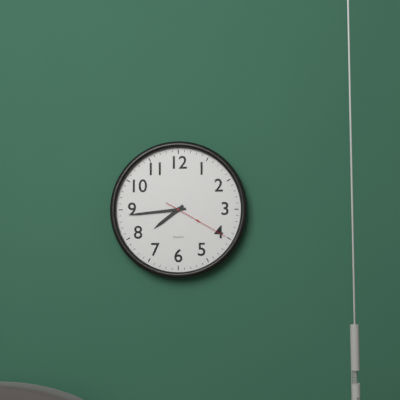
7.44.20
